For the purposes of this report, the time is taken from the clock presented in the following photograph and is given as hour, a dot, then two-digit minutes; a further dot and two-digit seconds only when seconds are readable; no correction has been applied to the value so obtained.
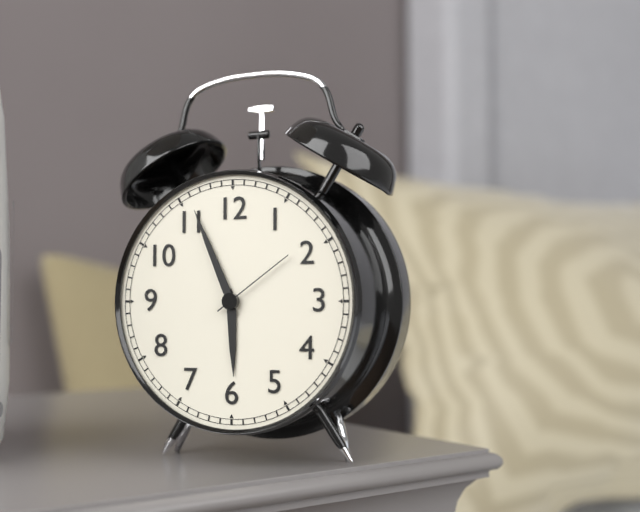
5.56.09
